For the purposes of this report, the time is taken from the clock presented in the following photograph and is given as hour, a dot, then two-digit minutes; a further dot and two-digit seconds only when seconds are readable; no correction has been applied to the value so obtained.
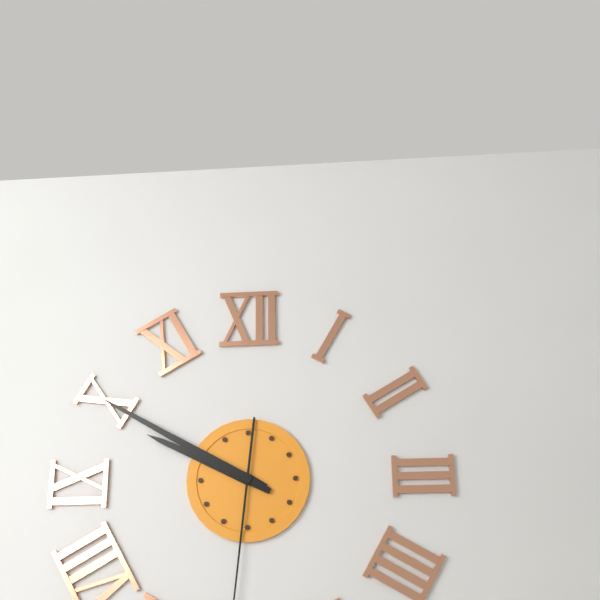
9.50
